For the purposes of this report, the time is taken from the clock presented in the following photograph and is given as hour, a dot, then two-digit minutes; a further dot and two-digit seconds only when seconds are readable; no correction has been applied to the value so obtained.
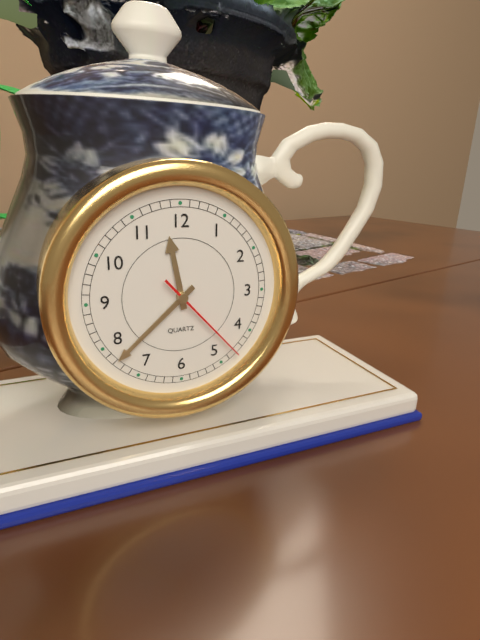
11.38.23
